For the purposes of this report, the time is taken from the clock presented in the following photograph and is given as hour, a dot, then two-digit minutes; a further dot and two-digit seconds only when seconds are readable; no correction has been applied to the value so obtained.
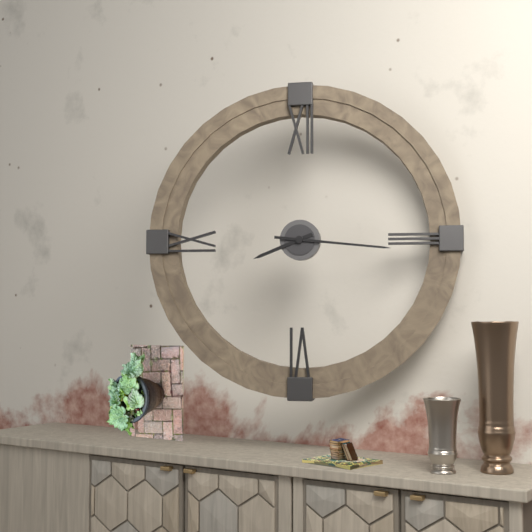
8.16
